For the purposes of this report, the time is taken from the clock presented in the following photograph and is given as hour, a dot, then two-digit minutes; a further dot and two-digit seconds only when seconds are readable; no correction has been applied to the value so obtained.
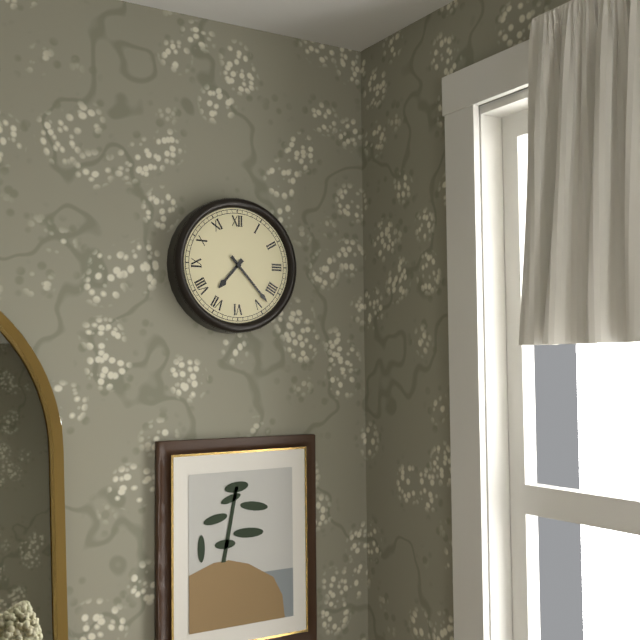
7.23
